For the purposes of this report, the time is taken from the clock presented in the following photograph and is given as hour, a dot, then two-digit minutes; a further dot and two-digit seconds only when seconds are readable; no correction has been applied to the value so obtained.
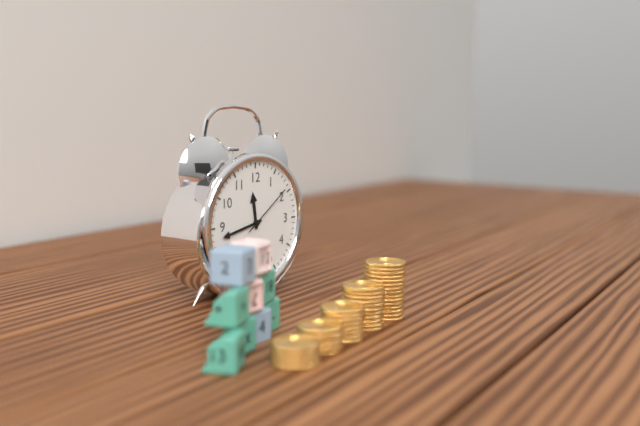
11.43.09
